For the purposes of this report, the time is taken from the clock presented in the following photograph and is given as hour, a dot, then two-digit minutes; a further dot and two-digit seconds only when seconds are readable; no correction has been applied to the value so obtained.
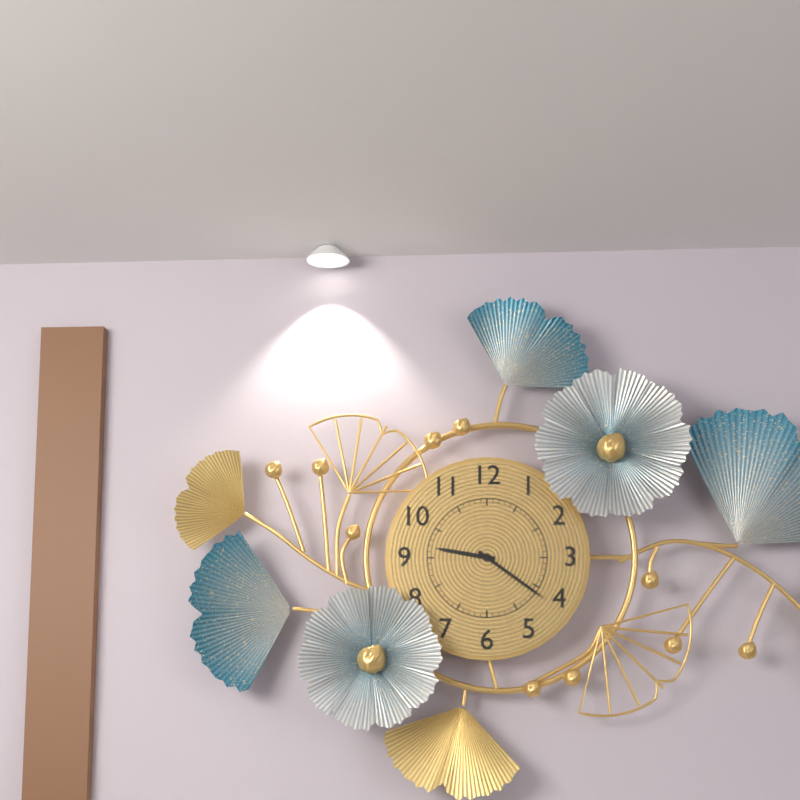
9.21
